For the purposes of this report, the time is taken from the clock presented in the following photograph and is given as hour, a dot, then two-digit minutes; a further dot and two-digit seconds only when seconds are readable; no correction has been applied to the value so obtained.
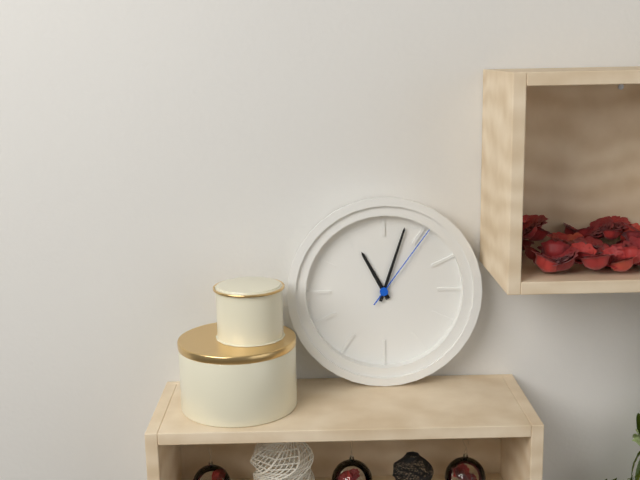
11.03.06
